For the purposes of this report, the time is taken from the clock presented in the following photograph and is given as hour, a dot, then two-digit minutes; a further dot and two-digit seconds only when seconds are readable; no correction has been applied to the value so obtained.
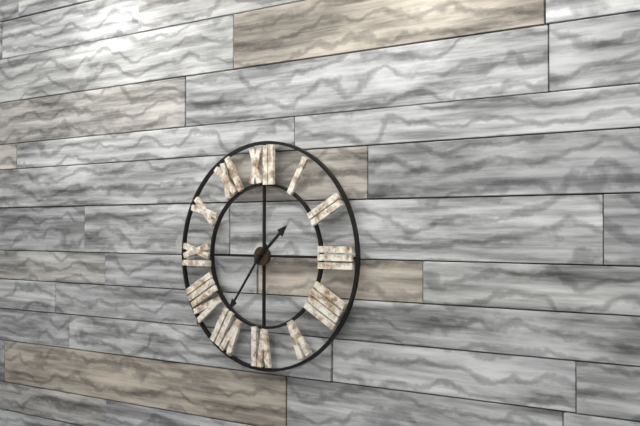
1.36
